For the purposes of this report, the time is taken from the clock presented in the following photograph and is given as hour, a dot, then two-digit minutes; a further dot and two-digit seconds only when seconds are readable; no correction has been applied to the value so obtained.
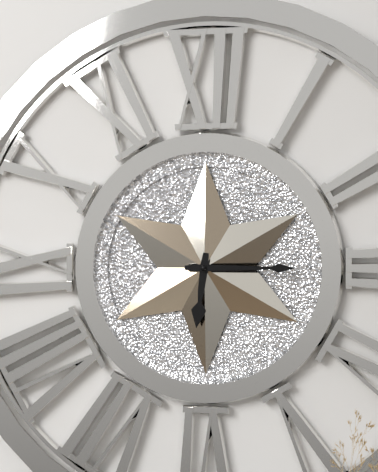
6.15
